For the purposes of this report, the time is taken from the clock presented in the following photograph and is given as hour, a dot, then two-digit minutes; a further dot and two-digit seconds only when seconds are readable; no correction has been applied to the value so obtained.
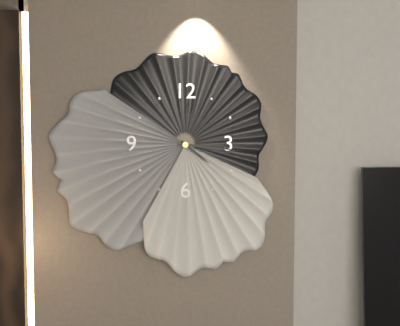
4.16
